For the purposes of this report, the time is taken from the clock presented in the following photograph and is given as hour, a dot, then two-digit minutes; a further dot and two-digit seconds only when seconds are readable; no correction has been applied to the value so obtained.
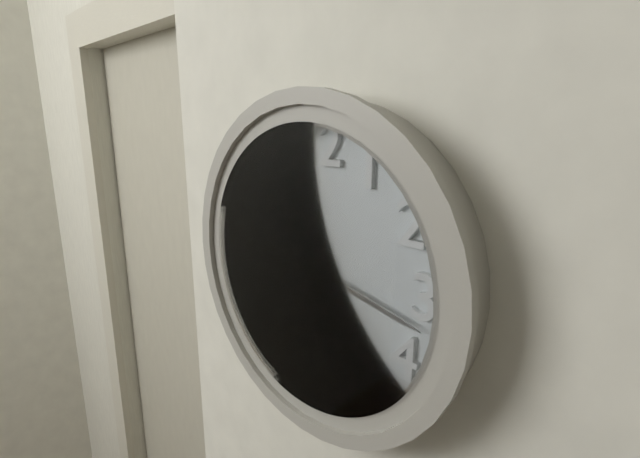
8.17.32
